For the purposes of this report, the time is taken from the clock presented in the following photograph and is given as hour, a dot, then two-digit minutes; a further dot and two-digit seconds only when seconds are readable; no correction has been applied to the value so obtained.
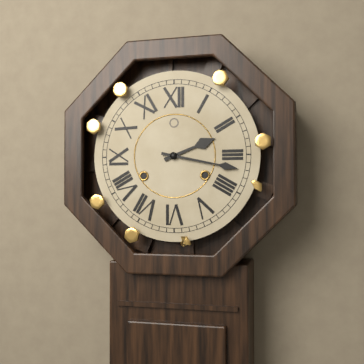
2.17
